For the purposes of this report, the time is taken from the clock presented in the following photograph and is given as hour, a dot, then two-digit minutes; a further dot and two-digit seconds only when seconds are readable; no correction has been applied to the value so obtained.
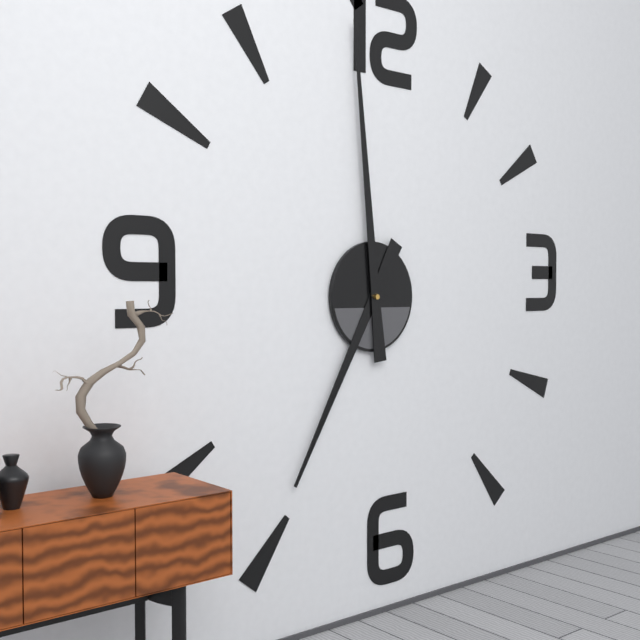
6.59
